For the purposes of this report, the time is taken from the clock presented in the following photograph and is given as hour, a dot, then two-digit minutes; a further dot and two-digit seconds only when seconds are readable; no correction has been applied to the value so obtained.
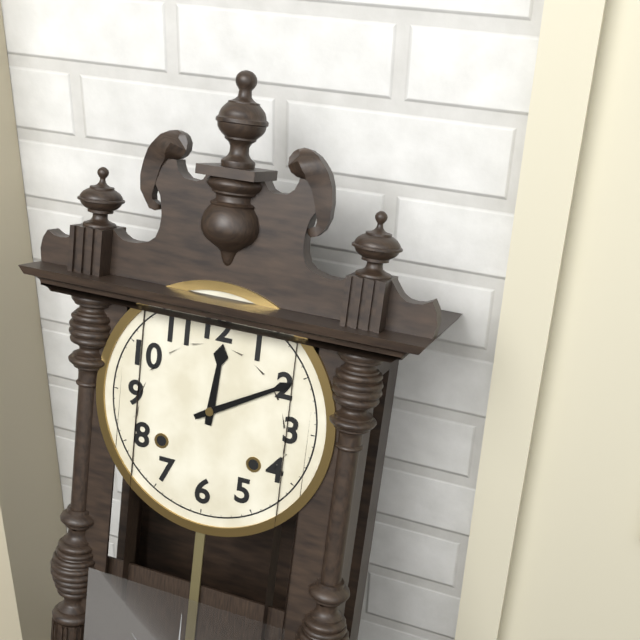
12.10
